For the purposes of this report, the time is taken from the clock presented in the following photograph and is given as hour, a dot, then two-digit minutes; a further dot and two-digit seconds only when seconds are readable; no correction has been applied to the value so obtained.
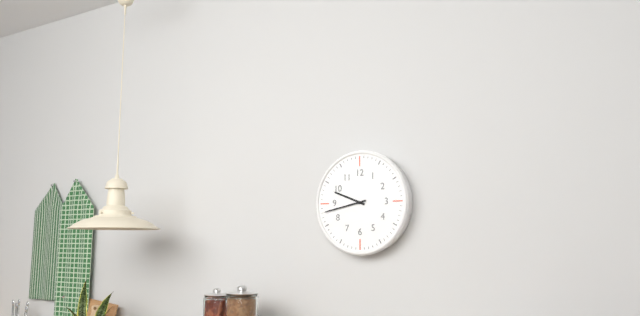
9.43
